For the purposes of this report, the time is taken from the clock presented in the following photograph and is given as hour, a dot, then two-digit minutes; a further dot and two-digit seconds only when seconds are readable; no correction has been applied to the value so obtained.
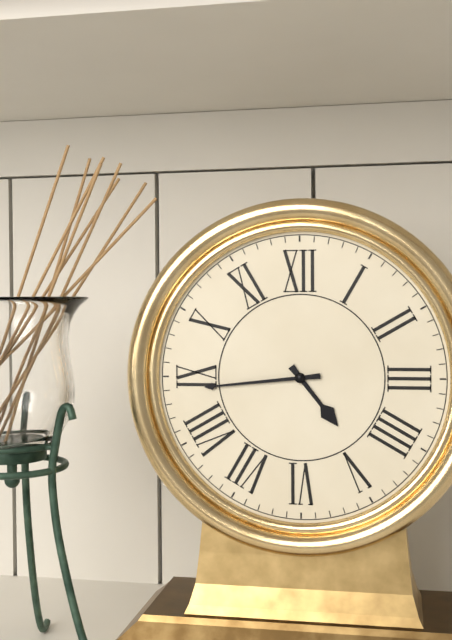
4.44
